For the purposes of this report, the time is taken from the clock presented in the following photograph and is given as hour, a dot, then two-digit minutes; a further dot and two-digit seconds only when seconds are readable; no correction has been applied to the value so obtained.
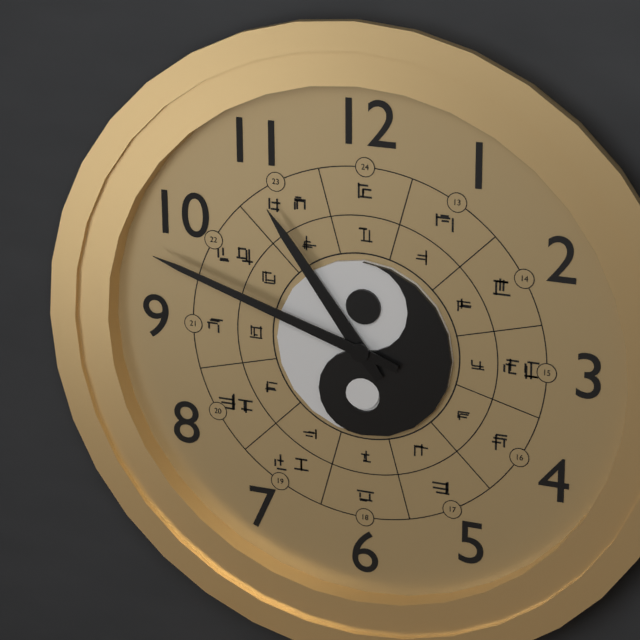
10.48
